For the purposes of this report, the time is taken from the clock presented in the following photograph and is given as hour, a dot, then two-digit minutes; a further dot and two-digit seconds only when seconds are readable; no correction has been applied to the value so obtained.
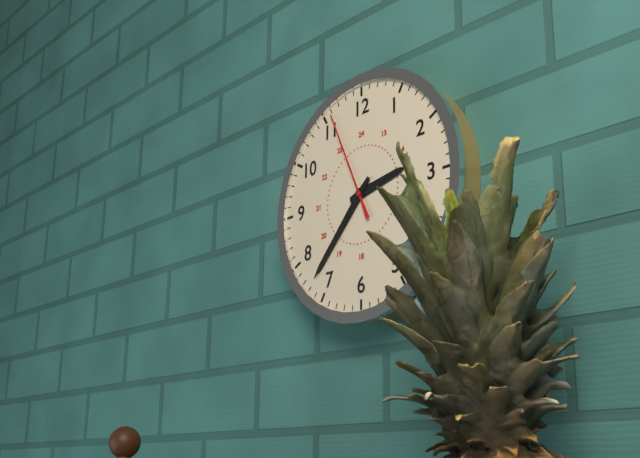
2.37.56
